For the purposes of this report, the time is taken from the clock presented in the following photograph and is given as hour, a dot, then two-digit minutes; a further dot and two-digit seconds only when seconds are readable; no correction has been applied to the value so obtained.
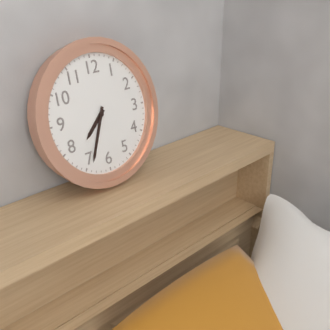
7.34
